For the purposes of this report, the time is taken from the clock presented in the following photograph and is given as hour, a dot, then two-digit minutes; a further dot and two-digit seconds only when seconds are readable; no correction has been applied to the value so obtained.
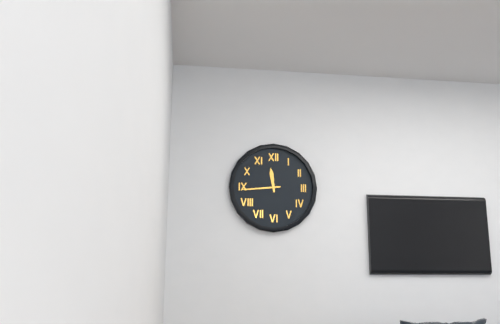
11.44
